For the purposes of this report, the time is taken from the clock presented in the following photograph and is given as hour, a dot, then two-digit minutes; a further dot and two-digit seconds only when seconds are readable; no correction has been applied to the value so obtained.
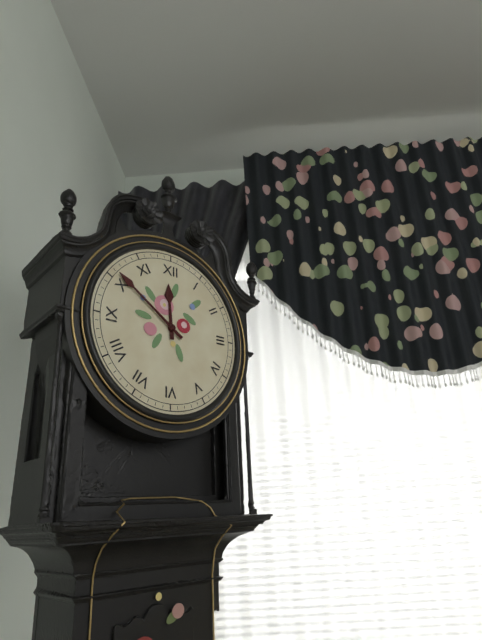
11.51
